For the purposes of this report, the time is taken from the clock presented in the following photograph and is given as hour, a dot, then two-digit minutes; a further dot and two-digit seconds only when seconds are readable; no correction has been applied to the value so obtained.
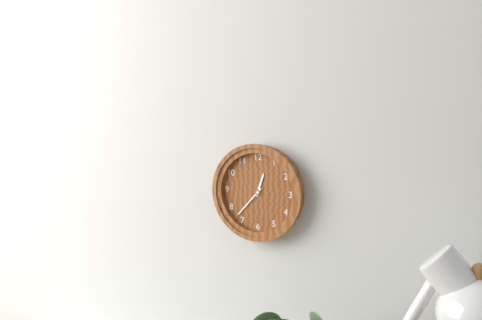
12.37
